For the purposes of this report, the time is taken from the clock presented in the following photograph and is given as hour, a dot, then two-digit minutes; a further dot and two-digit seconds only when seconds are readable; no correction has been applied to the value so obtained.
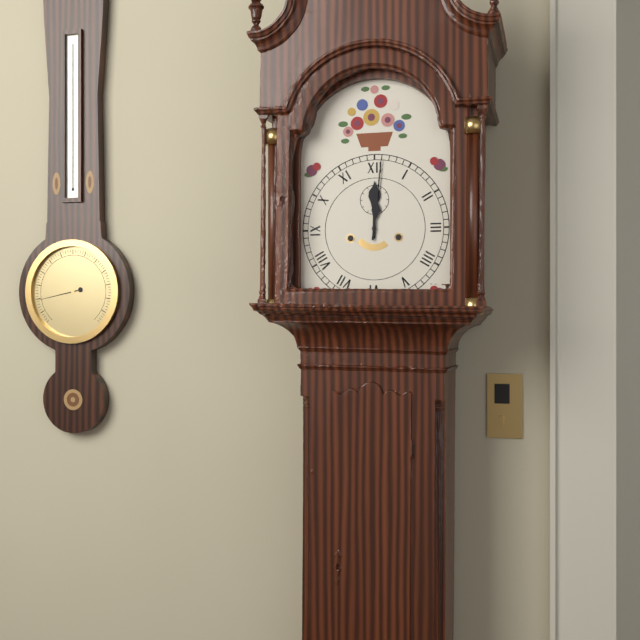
12.01
